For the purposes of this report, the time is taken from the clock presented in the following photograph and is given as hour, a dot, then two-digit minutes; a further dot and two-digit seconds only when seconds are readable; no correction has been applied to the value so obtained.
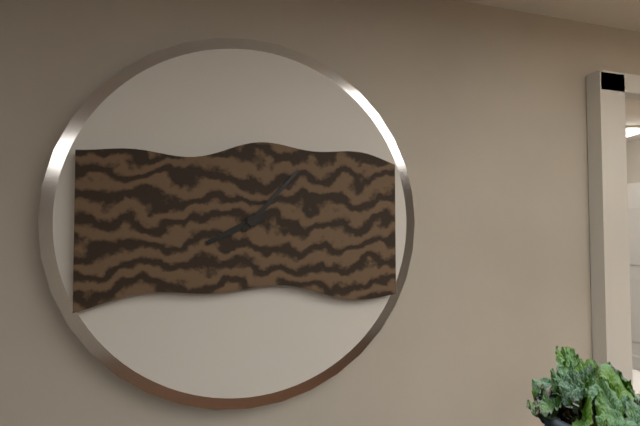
8.07
